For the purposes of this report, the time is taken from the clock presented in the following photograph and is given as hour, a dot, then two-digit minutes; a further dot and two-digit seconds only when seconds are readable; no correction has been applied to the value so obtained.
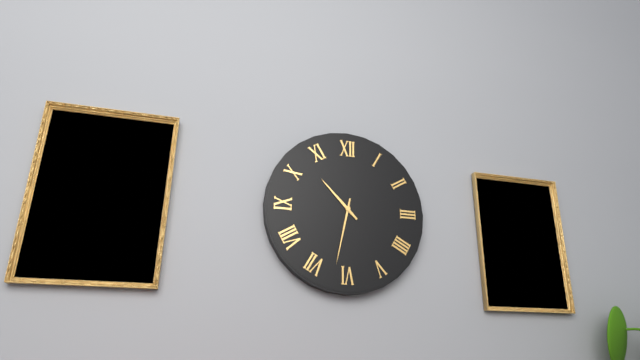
10.32
